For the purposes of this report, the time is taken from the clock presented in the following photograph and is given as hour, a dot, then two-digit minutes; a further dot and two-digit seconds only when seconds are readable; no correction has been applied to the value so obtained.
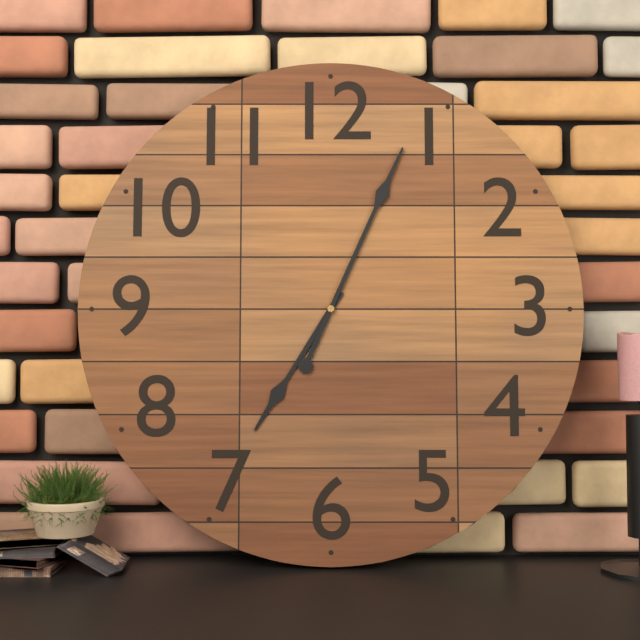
7.04
